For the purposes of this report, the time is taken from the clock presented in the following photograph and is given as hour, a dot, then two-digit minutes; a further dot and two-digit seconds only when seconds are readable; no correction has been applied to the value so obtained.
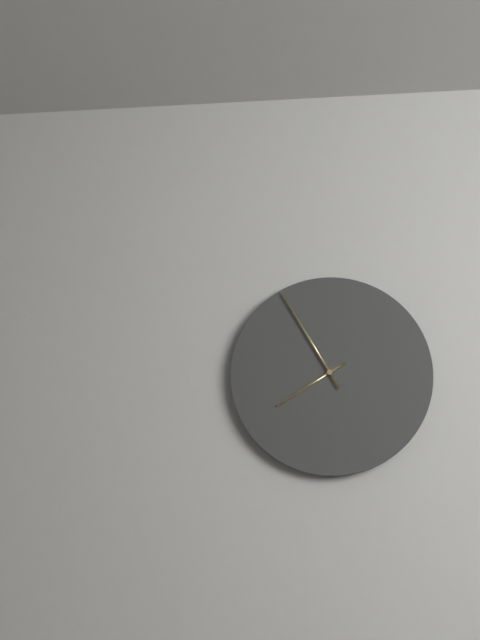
7.55
